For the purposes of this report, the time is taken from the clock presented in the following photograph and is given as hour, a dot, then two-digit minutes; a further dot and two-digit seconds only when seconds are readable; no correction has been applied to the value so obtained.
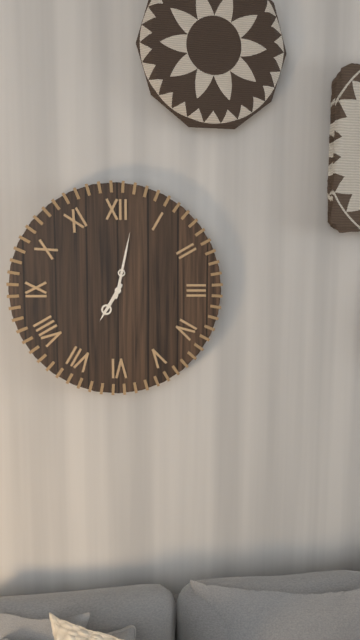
7.02
